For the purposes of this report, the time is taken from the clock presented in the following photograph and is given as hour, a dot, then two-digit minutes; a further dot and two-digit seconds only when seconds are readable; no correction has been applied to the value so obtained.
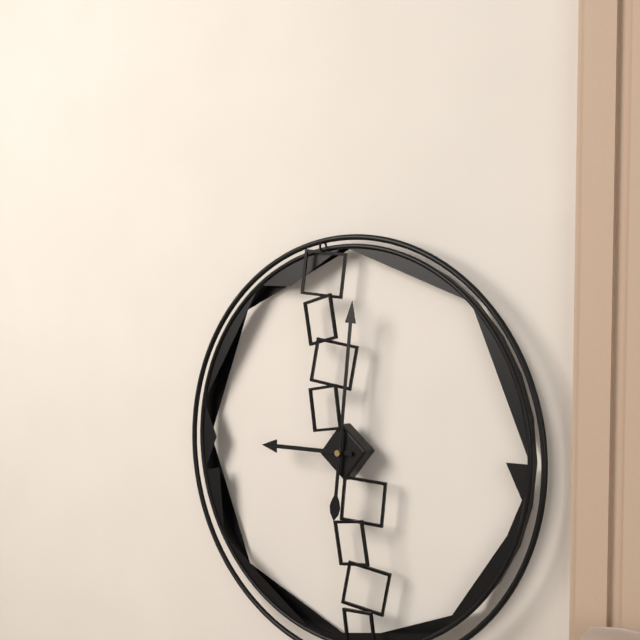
9.01
